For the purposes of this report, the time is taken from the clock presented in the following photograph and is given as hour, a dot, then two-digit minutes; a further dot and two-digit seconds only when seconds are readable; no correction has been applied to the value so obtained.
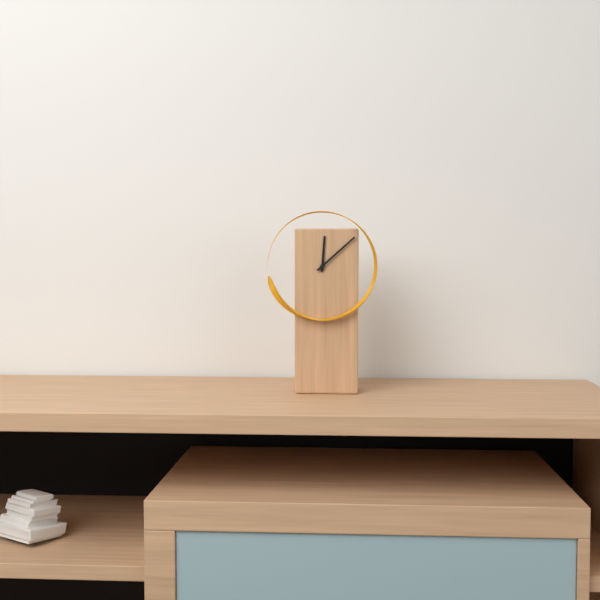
12.08
